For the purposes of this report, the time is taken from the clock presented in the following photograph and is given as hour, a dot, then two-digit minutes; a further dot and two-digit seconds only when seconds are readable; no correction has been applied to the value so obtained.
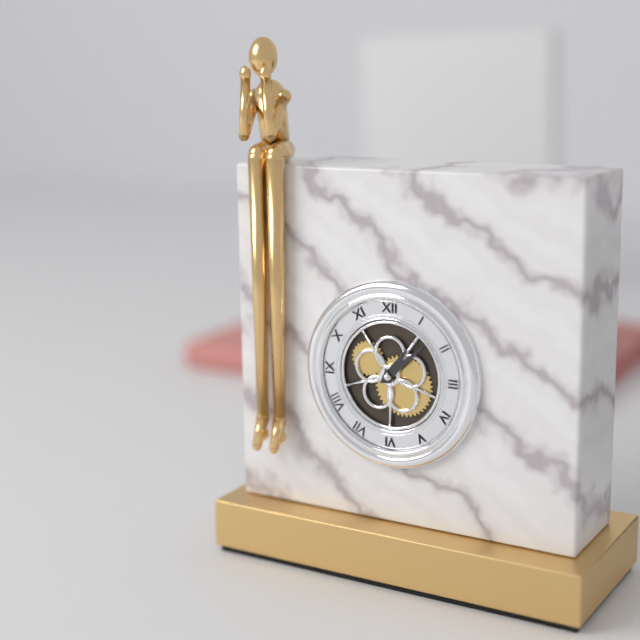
1.08
